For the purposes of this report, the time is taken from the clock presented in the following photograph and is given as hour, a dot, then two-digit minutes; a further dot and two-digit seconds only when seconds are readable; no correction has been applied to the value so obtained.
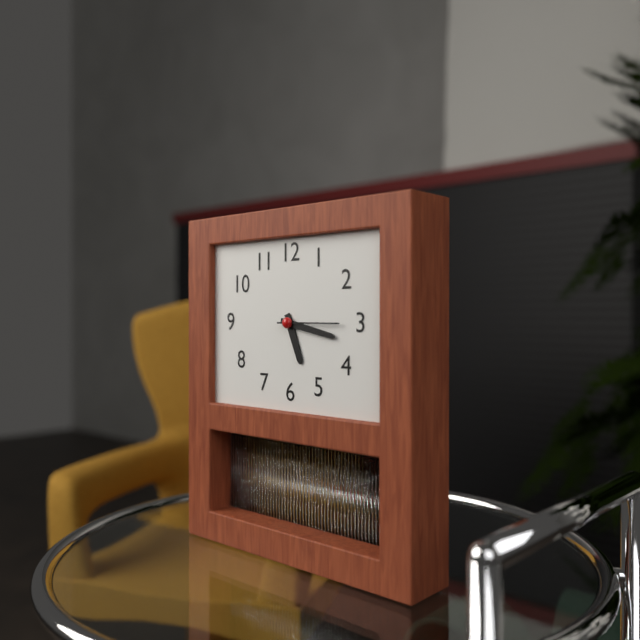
5.17.15
